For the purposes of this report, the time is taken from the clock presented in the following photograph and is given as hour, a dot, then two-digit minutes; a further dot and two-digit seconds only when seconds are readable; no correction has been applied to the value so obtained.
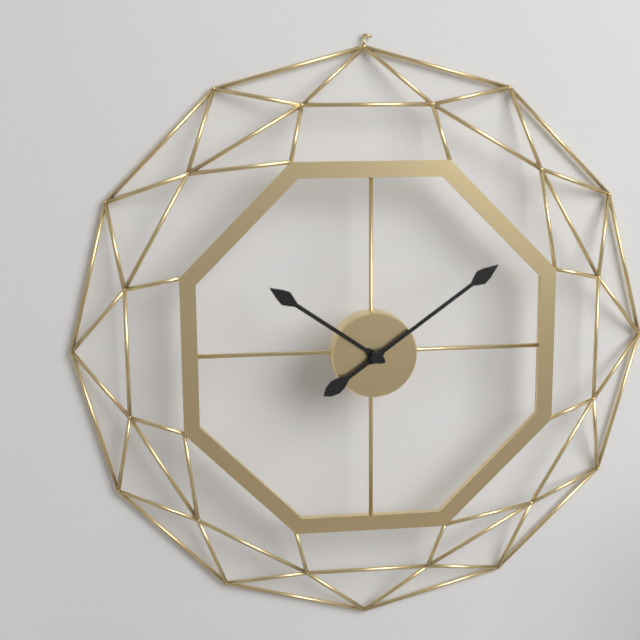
10.09
